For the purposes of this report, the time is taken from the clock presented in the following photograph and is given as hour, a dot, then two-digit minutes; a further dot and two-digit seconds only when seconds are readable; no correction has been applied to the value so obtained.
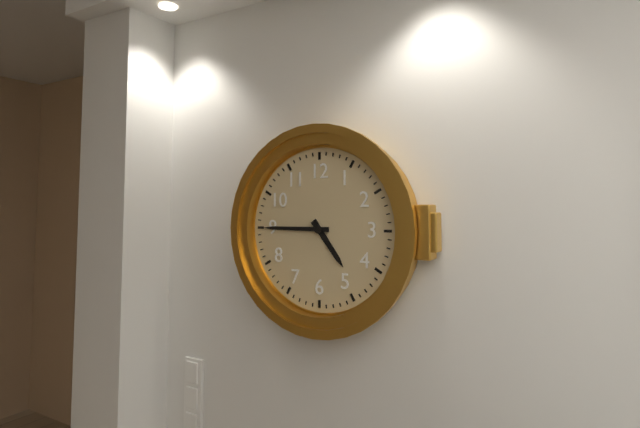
4.45
